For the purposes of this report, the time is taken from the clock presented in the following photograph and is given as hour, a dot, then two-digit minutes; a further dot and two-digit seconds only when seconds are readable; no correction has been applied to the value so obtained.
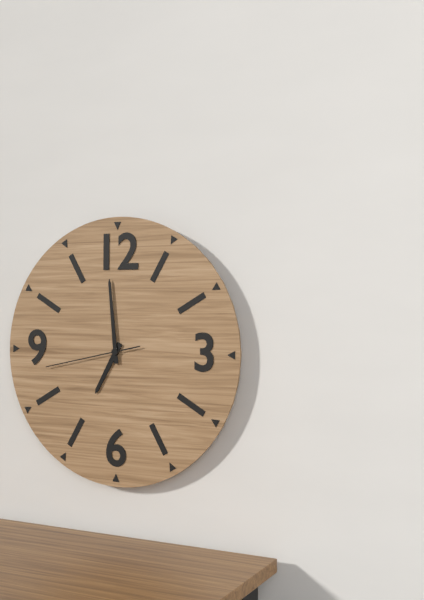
6.59.43
